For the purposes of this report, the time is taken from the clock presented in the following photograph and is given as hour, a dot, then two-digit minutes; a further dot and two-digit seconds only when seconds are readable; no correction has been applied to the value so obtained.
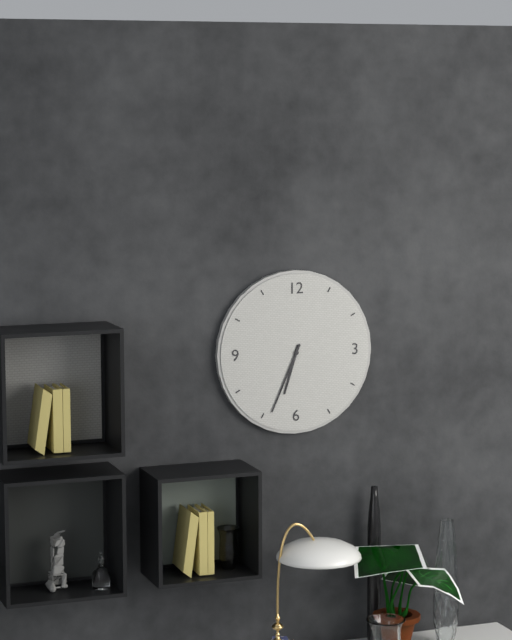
6.34
